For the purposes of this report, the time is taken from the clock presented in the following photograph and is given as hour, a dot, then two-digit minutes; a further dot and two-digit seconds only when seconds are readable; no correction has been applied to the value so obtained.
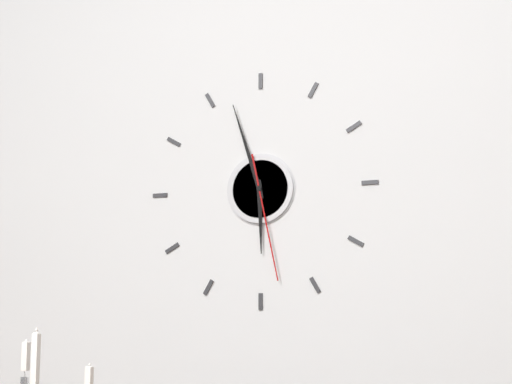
5.57.28
